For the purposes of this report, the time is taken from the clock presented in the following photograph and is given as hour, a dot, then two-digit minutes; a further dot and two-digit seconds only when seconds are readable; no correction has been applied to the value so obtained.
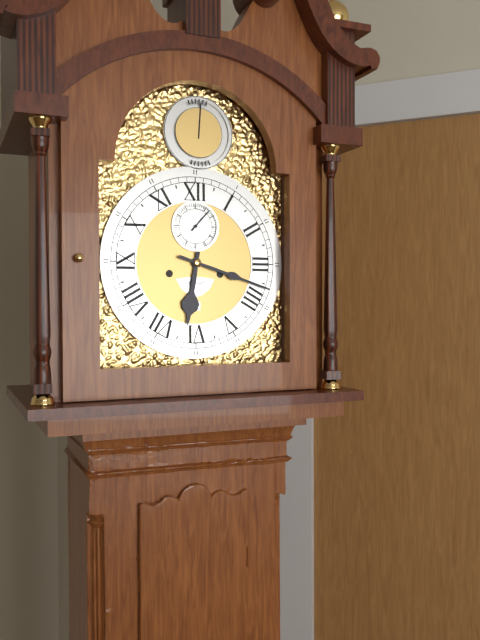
6.18
